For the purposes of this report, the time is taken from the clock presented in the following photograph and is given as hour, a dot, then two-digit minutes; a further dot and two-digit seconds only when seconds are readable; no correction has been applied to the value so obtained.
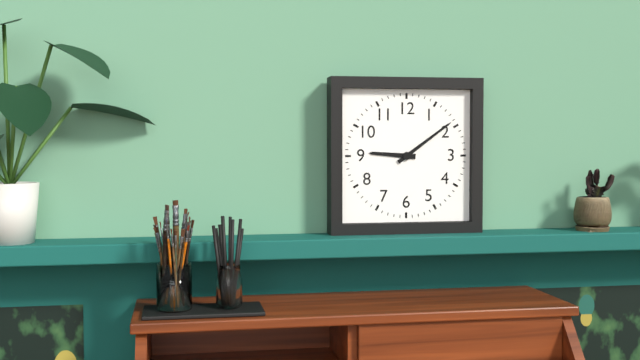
9.09
